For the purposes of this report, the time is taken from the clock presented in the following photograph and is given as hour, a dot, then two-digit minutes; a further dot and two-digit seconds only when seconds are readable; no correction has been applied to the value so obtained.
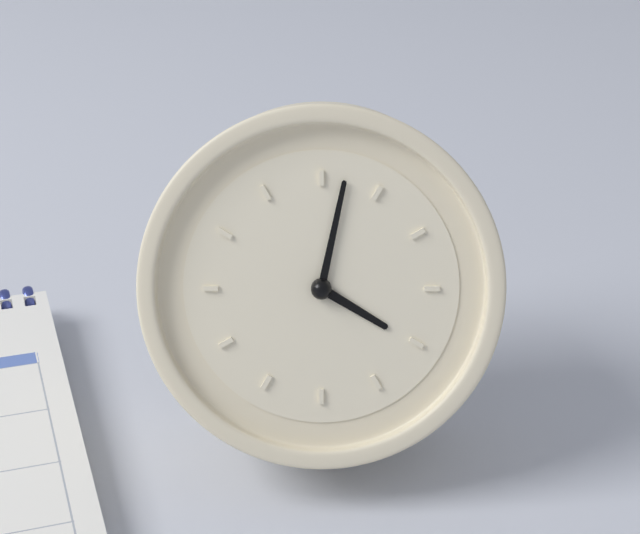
4.02
